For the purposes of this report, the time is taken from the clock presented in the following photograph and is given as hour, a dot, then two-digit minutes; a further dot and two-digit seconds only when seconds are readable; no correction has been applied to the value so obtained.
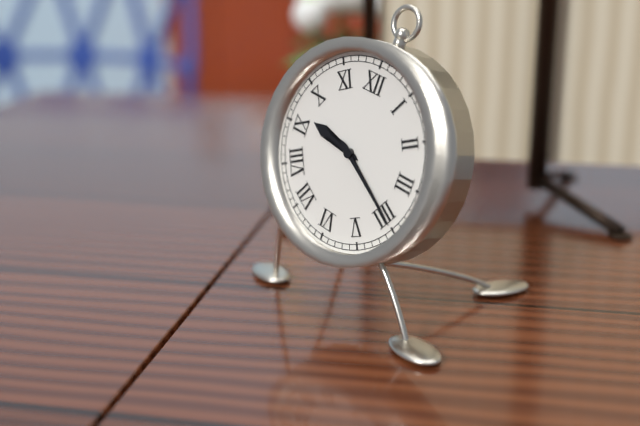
9.20
